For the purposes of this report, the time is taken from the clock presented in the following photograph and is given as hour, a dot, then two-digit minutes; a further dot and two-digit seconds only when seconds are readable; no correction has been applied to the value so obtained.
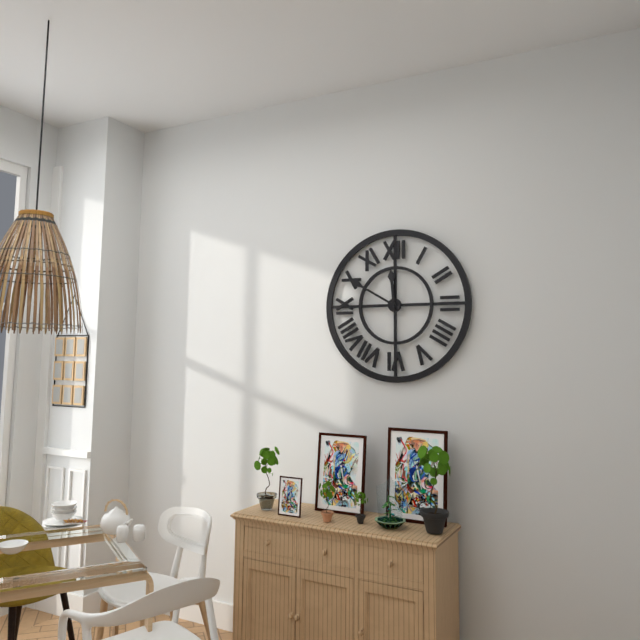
11.50
